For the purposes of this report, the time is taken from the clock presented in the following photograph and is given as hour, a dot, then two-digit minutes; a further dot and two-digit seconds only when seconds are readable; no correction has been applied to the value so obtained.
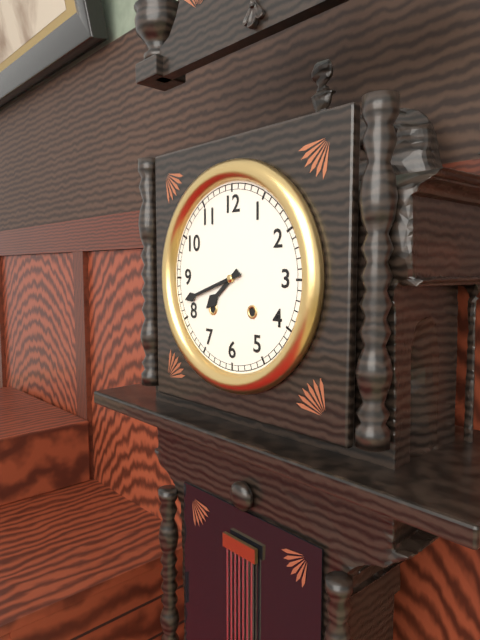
7.42
